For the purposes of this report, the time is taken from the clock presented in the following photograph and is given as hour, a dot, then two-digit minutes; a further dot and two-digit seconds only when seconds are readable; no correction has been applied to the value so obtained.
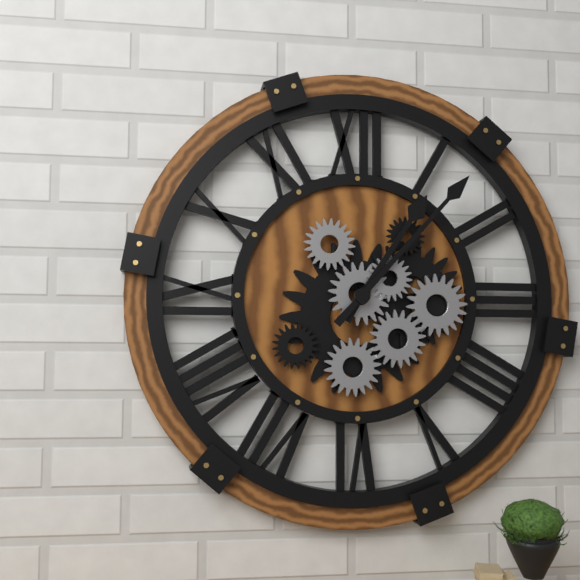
1.07
